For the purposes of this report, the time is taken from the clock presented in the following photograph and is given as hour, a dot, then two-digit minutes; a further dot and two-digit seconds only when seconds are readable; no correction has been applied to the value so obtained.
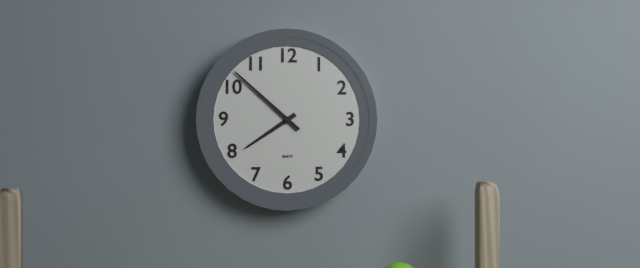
7.52
